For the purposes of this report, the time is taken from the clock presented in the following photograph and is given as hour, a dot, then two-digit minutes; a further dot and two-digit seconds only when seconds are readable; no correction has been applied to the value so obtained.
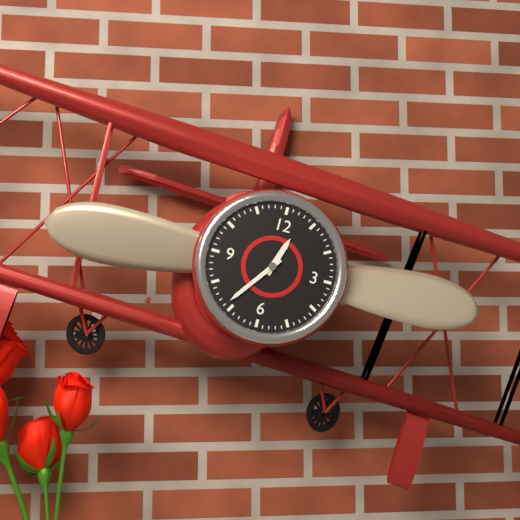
12.36
